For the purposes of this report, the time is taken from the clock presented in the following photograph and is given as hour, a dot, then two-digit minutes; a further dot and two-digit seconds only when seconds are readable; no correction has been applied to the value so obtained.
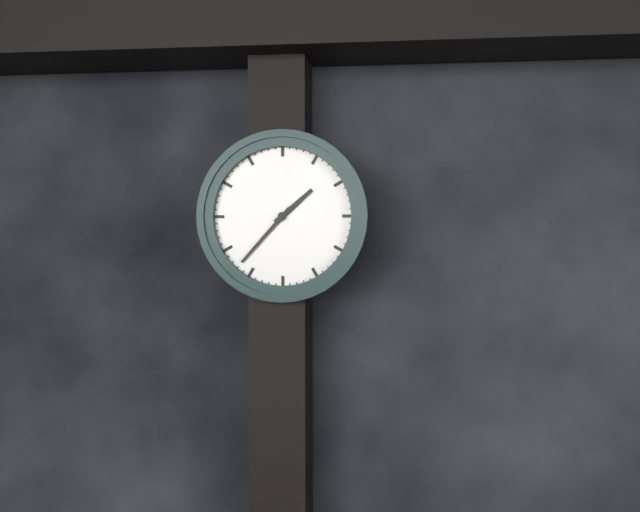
1.37
